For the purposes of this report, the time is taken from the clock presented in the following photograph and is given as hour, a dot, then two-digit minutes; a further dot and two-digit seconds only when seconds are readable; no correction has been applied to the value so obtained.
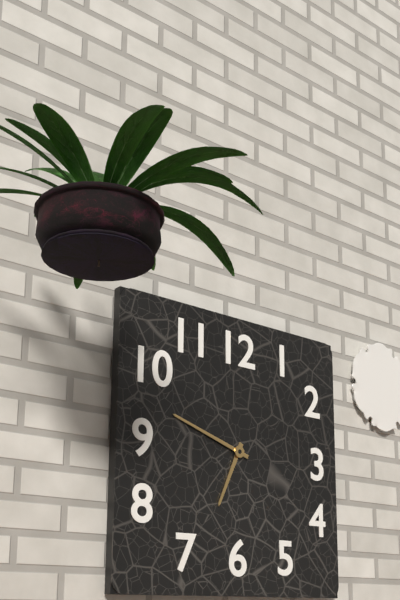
6.48
